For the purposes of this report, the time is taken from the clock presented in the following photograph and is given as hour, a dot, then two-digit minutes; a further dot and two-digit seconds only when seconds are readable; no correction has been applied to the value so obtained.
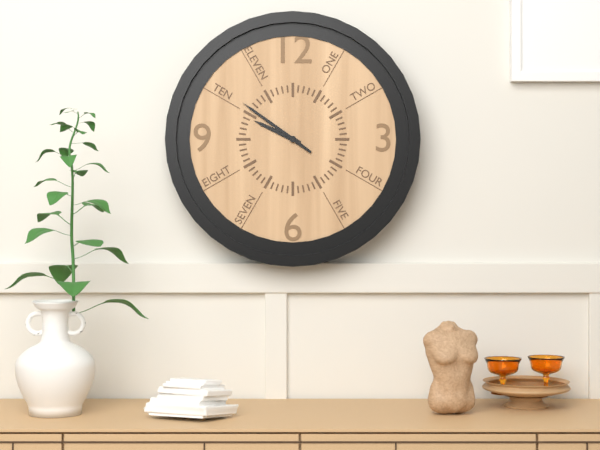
9.51
